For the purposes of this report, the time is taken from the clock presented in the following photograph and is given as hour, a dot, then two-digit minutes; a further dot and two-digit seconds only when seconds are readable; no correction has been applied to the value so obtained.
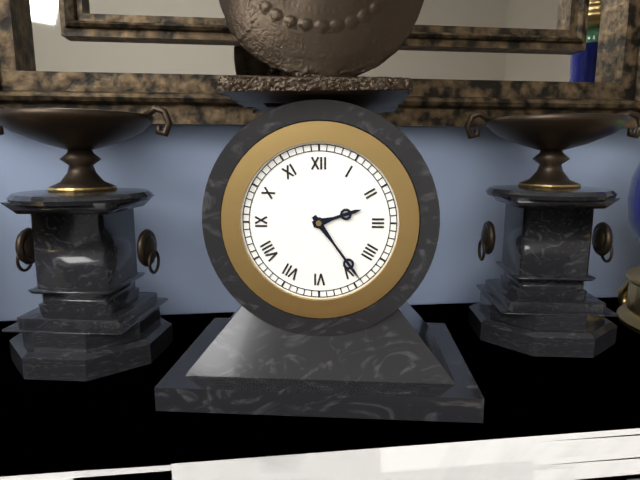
2.24
